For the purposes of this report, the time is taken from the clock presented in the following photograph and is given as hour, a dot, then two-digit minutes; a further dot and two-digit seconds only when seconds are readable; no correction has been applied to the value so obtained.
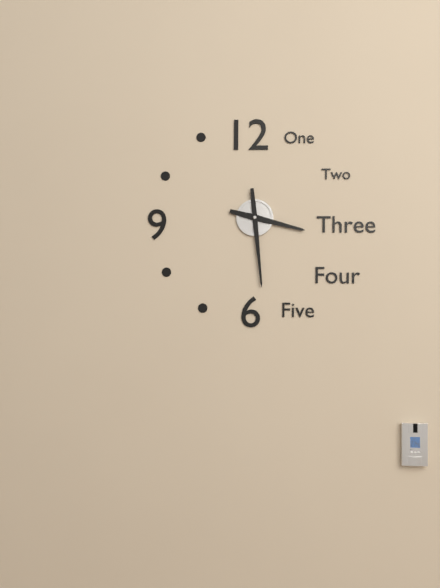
3.29
